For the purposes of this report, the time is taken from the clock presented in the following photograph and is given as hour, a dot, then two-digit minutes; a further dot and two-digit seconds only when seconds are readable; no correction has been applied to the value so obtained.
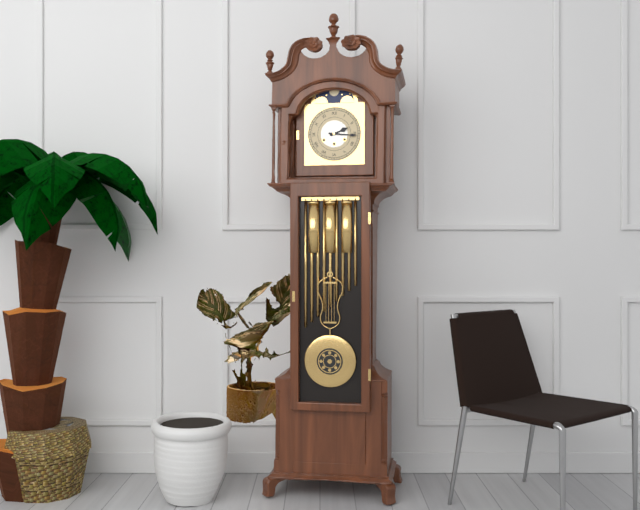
2.16
